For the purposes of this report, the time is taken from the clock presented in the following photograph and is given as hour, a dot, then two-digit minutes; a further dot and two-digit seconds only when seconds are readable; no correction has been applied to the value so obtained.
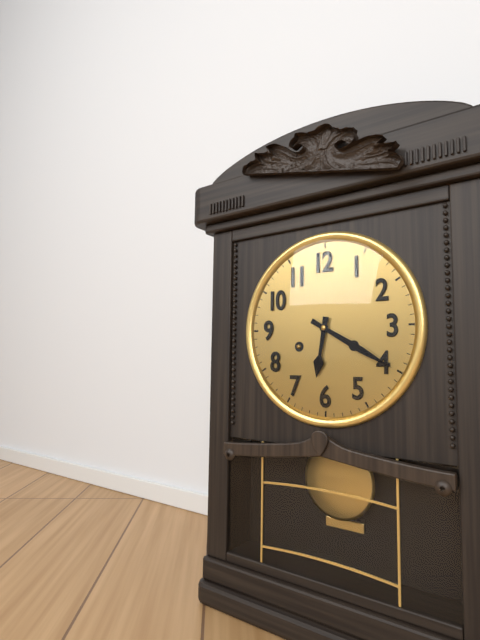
6.20
